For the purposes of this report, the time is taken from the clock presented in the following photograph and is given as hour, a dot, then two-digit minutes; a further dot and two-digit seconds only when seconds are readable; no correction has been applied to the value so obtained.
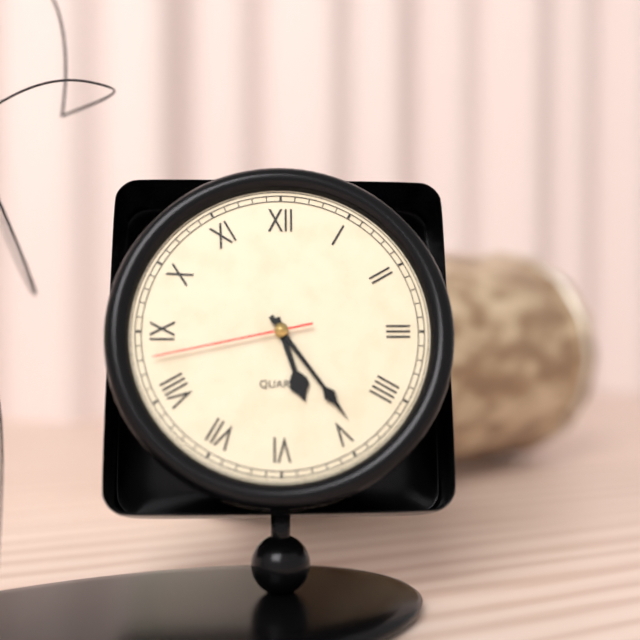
5.24.43
